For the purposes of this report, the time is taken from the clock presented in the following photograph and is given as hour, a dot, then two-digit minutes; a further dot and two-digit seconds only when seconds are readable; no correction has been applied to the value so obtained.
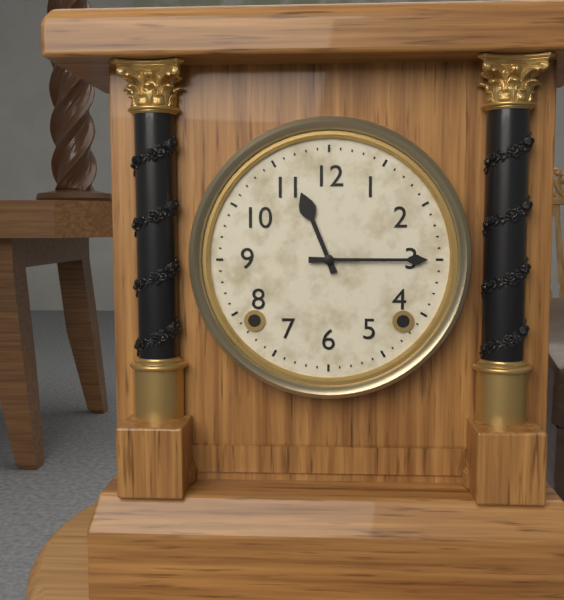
11.15
